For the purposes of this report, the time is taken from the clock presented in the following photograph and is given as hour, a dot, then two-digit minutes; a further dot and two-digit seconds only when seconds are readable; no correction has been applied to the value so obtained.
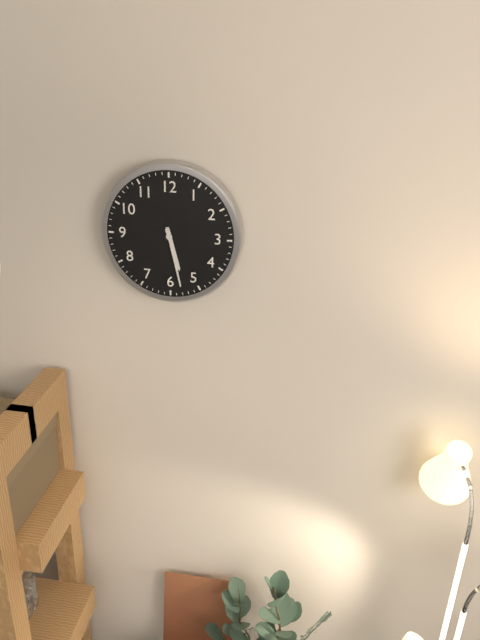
5.28
